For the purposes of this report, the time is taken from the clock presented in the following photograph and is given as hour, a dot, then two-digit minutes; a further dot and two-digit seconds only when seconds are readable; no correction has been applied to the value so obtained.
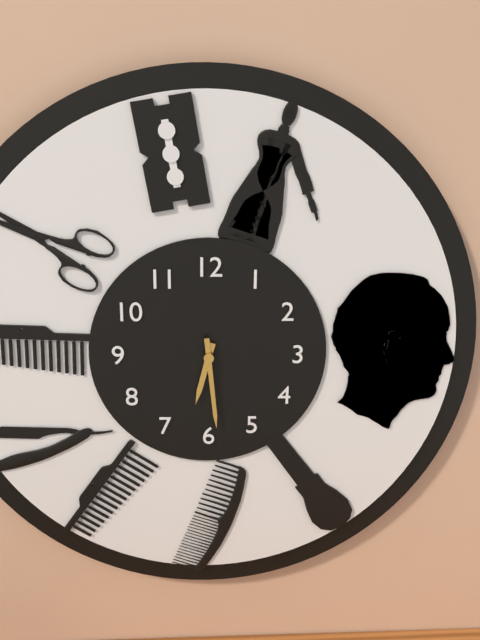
6.29
